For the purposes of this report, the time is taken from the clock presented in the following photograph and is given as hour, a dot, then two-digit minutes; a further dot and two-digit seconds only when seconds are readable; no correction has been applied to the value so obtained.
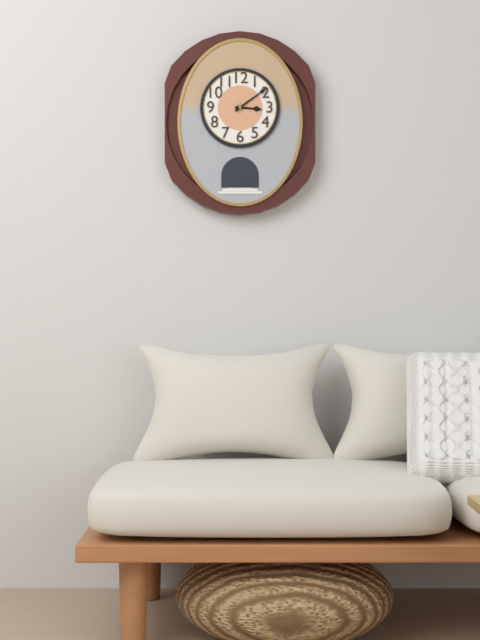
3.09
